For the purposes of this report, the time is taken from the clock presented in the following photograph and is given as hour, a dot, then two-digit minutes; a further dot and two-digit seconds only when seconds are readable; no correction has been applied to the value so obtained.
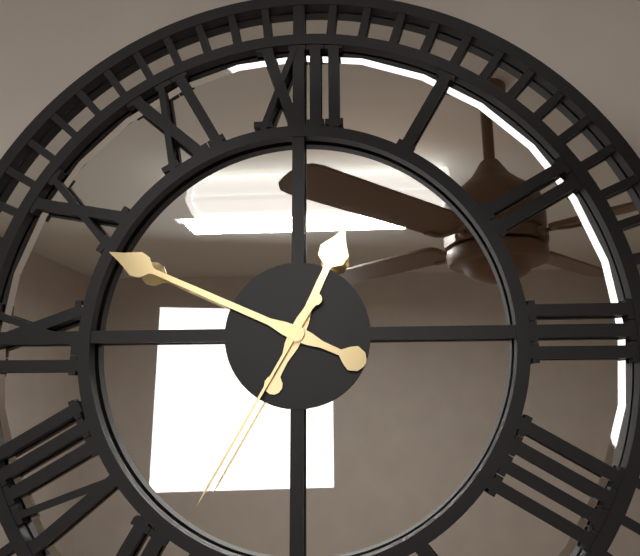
12.49.35
